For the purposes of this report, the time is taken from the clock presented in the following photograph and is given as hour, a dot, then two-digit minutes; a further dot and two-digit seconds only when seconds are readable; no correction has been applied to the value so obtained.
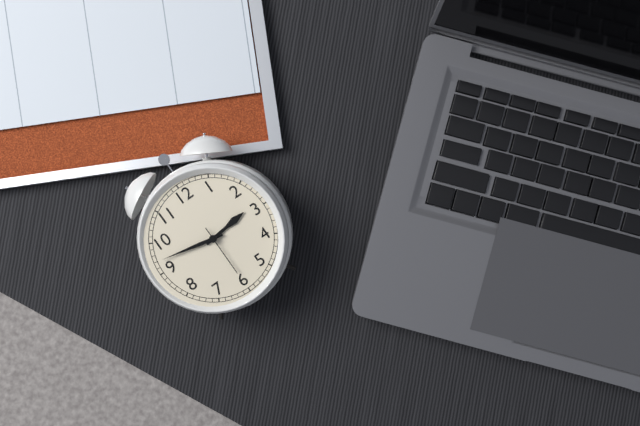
2.47.30
